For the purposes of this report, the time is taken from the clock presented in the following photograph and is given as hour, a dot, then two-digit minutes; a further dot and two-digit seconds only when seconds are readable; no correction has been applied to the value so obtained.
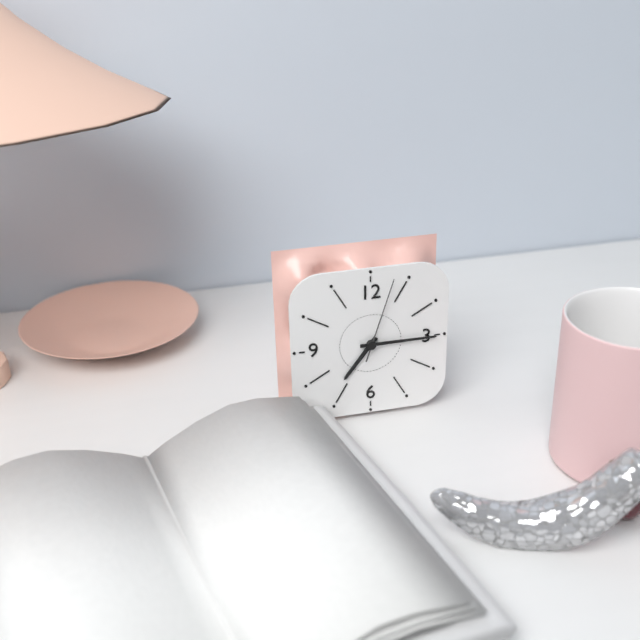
7.15.03
